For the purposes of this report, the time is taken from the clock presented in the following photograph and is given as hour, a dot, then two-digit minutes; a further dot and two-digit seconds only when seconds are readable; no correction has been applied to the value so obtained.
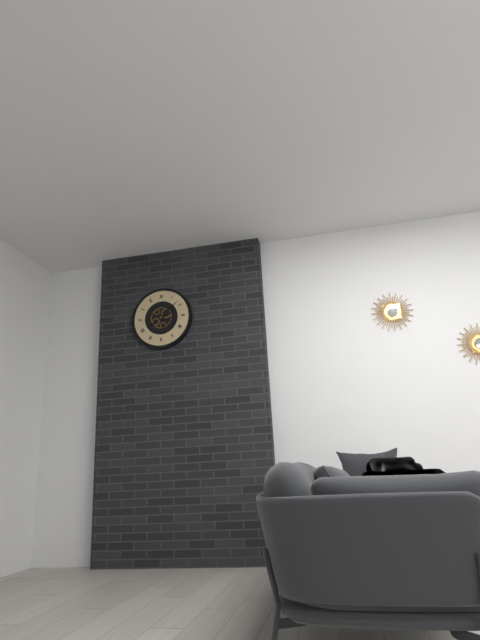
2.08
